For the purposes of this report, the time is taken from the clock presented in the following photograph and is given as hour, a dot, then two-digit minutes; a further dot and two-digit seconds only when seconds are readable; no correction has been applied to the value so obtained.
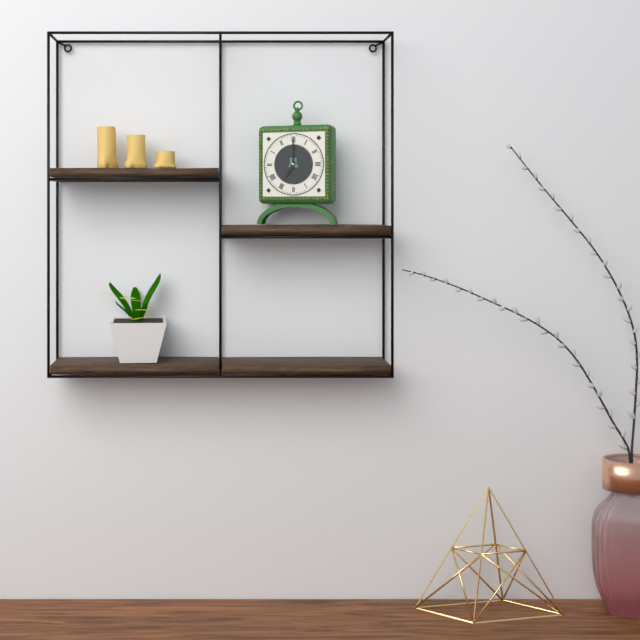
7.00
